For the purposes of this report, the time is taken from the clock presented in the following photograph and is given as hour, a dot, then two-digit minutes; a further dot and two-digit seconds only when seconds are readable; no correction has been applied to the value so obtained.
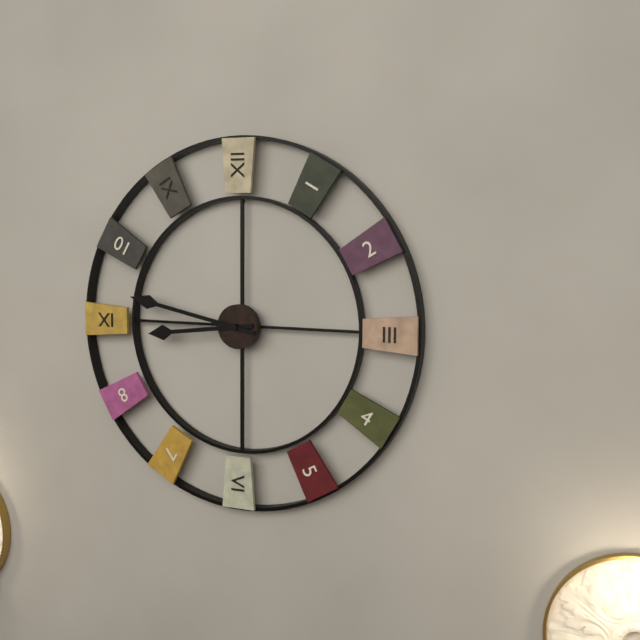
8.47
